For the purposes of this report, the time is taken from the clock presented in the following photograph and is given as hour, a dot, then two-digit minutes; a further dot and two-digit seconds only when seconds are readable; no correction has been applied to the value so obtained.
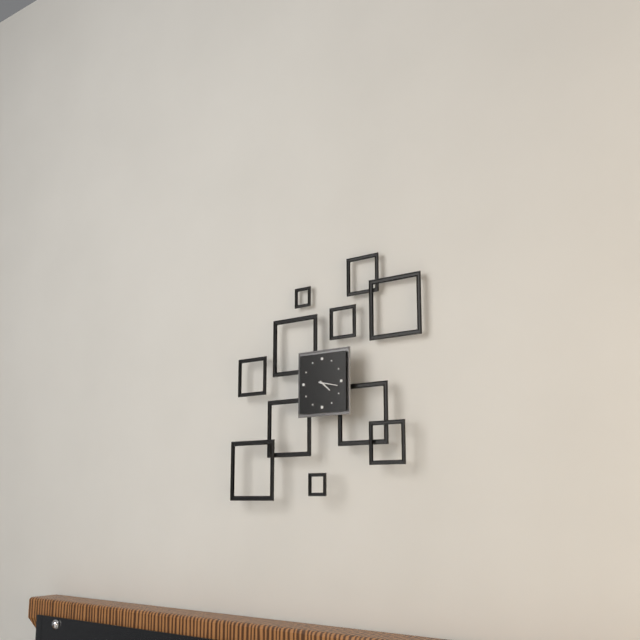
4.17
